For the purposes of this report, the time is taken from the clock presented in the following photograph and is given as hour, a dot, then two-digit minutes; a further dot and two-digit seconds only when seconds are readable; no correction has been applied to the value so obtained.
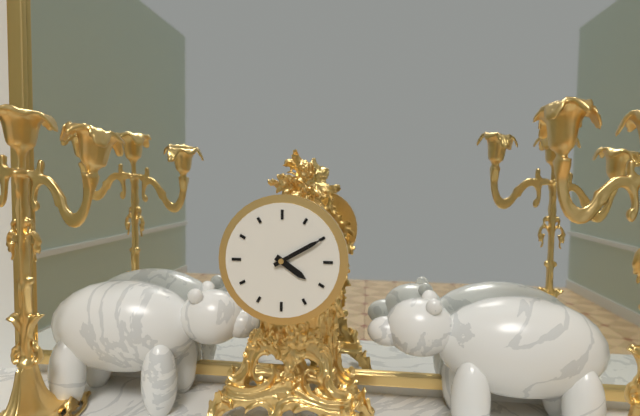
4.10
